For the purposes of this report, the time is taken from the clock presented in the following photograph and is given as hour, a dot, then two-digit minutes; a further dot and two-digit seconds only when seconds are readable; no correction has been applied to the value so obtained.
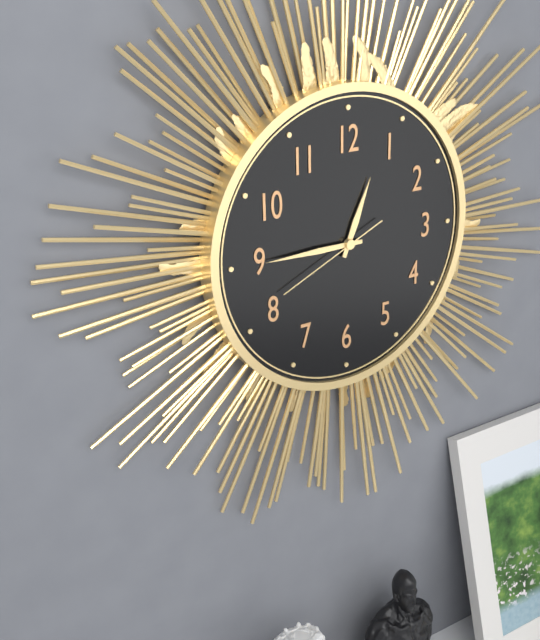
12.45.41
